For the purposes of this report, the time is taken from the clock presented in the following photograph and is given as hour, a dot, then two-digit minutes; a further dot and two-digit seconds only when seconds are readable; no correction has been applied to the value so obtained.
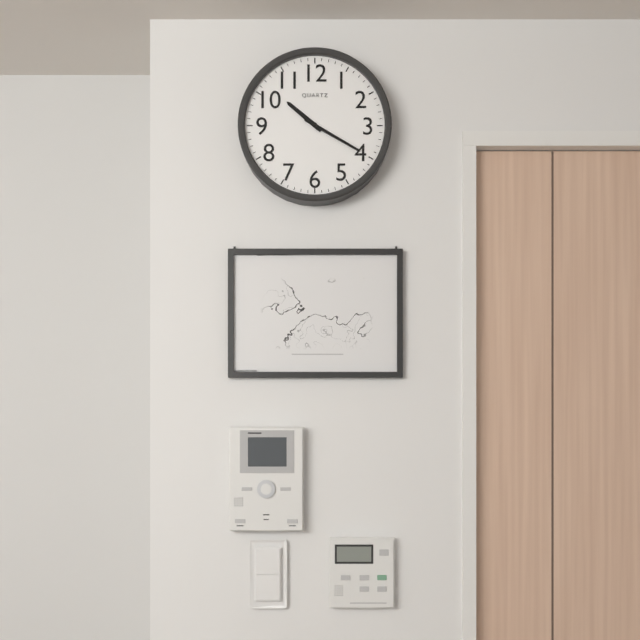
10.20
